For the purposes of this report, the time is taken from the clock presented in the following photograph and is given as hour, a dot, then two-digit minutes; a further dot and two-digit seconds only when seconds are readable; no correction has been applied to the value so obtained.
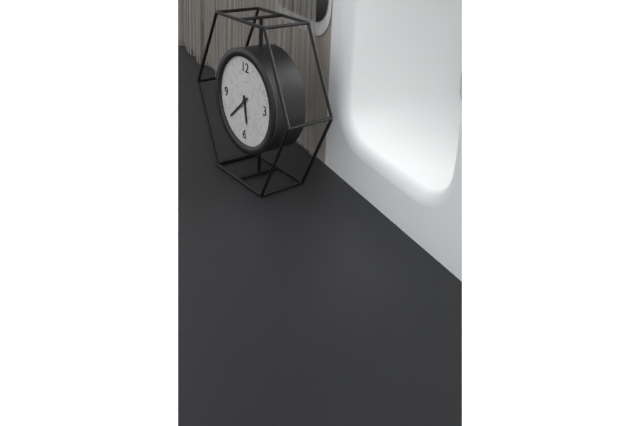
5.38
